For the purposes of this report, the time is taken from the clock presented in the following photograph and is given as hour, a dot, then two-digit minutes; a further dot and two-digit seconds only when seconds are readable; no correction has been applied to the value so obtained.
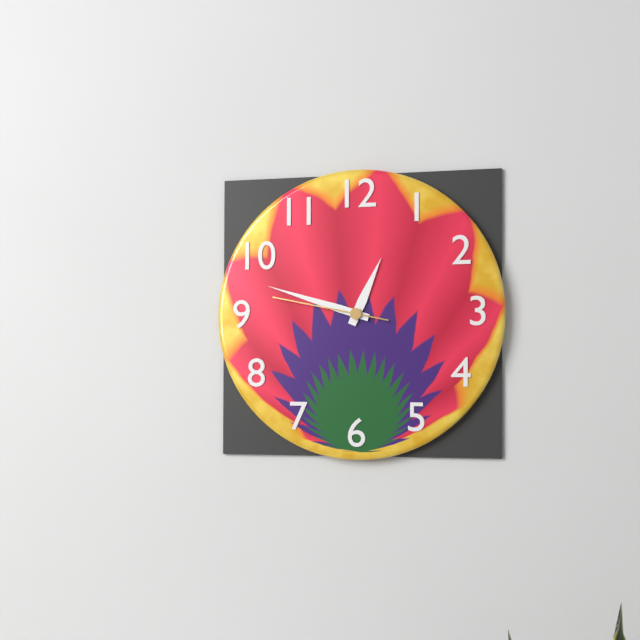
12.48.47
